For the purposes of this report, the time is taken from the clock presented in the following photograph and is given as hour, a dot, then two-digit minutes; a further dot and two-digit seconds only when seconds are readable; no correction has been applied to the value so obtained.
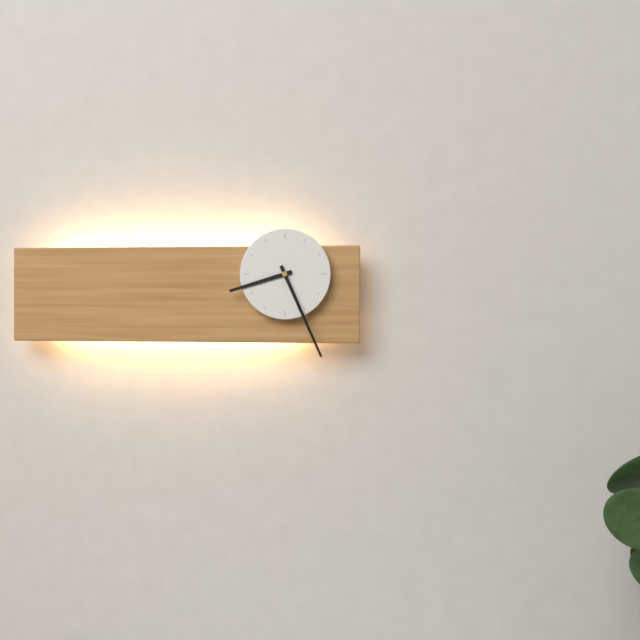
8.26
